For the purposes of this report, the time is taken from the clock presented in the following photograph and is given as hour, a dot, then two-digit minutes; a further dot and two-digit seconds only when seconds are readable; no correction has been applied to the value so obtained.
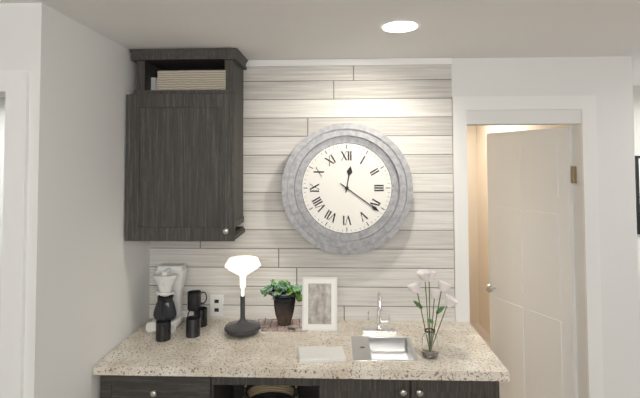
12.21
